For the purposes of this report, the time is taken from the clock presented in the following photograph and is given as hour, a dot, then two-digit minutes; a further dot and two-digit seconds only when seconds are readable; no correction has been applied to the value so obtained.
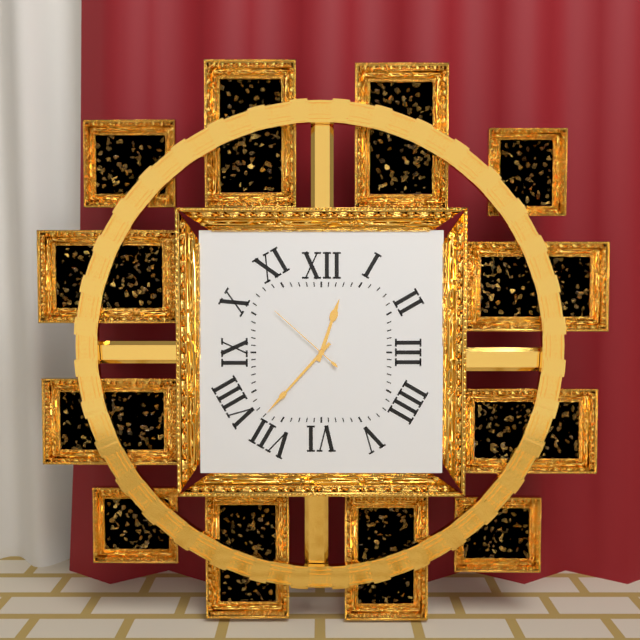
12.37.52
